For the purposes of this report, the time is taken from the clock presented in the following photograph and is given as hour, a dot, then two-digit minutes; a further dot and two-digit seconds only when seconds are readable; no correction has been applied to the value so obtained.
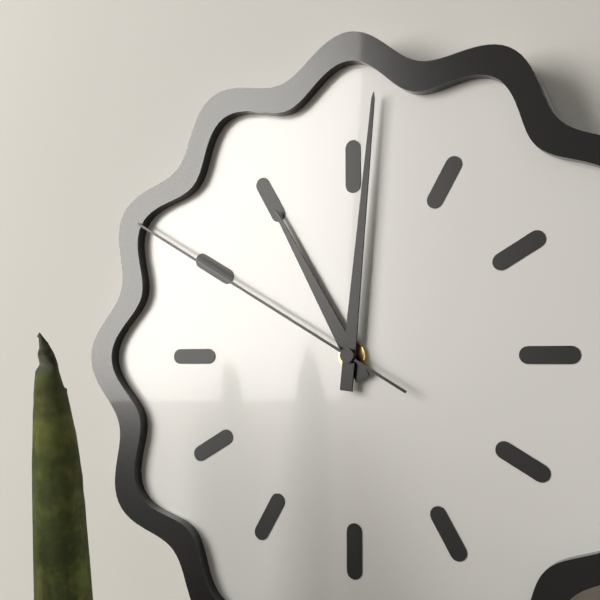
11.01.50
